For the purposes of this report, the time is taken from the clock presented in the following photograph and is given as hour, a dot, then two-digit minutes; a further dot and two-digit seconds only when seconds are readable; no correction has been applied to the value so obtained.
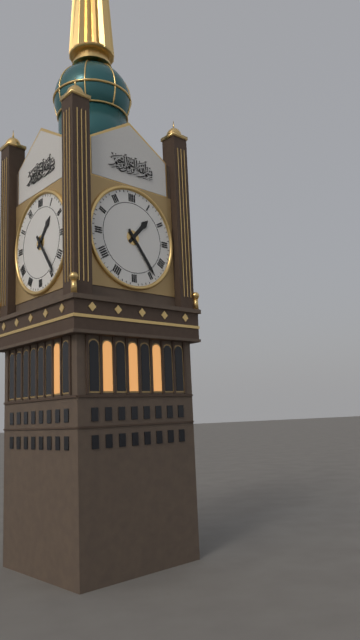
1.24
